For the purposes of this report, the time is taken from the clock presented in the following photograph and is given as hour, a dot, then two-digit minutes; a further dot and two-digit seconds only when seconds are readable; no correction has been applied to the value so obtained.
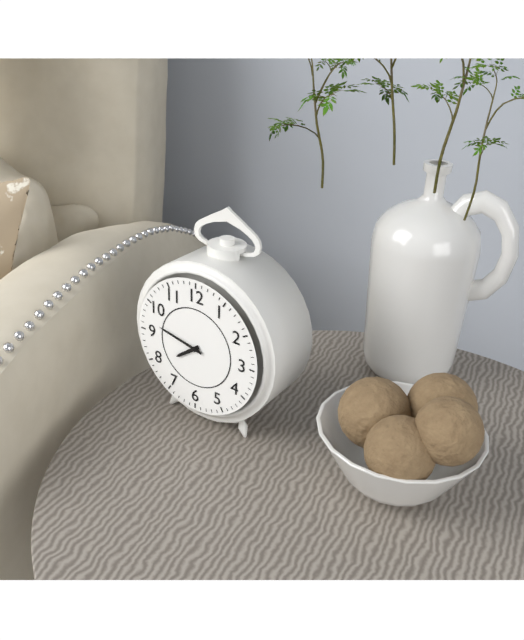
7.47
